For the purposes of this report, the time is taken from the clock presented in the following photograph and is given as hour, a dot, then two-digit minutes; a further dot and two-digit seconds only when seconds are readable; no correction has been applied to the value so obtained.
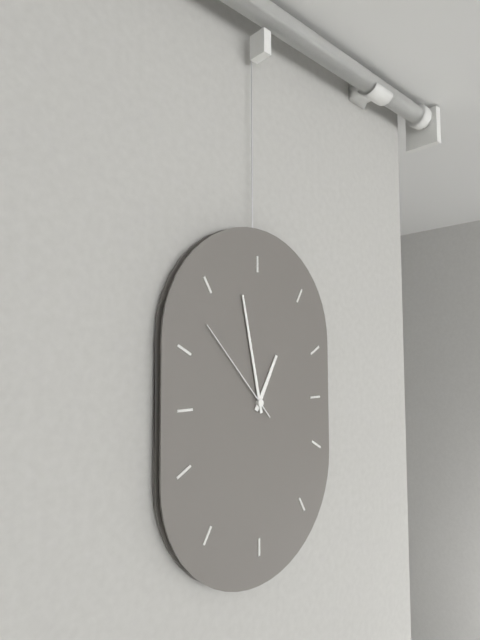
12.58.53
